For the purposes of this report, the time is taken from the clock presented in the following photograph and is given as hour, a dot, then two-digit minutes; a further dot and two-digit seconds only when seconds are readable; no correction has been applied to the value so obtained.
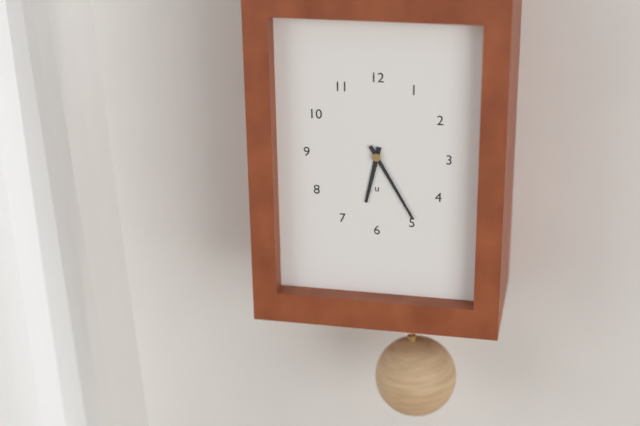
6.25
